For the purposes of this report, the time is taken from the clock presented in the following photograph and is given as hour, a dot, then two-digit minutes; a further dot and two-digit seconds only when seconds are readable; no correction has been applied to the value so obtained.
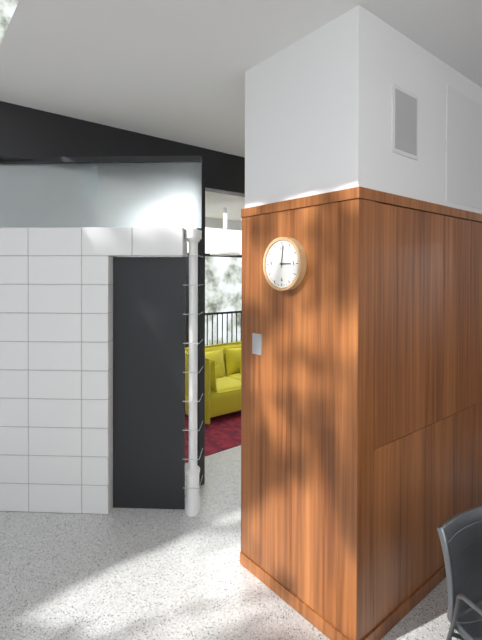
3.01
